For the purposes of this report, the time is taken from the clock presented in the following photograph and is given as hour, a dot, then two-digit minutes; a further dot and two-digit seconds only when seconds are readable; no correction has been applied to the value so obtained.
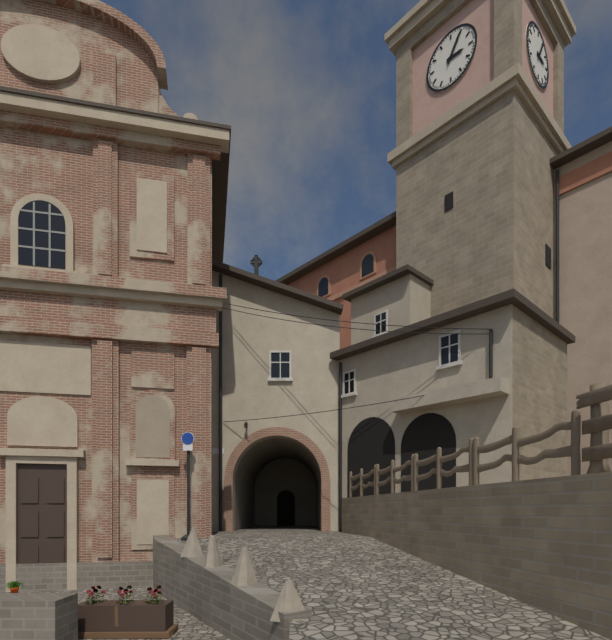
3.05
